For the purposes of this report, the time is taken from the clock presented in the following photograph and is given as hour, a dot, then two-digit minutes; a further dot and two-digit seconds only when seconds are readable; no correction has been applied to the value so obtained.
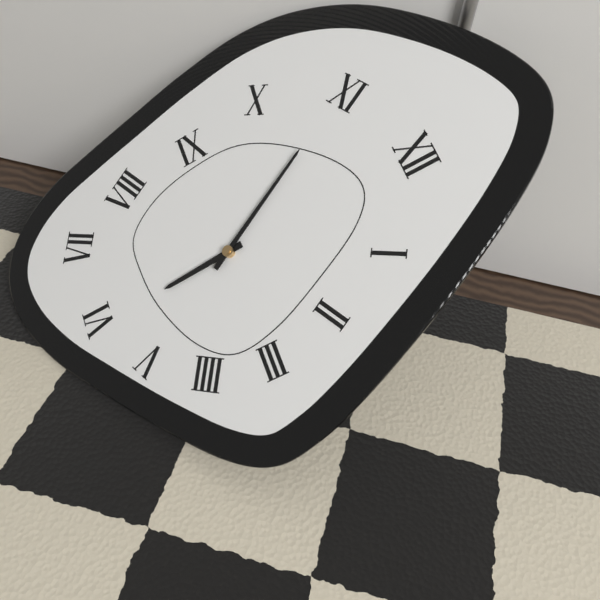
5.55
